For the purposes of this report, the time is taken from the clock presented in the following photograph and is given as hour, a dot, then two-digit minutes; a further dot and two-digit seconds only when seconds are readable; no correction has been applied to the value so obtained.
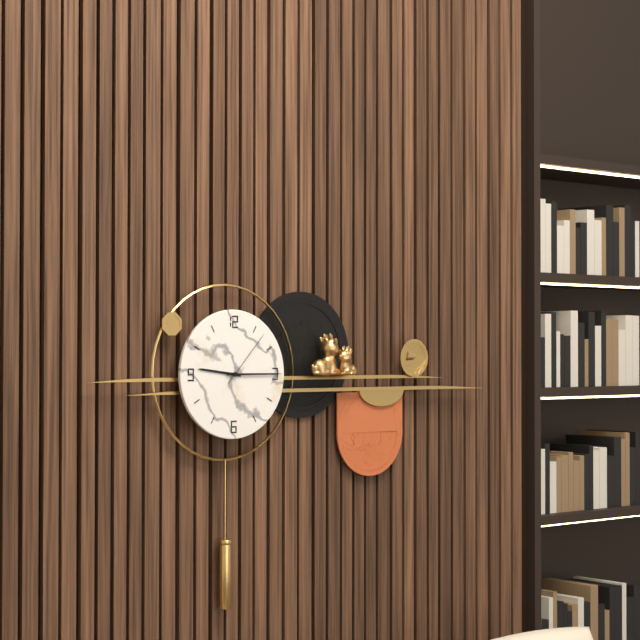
9.15.07
